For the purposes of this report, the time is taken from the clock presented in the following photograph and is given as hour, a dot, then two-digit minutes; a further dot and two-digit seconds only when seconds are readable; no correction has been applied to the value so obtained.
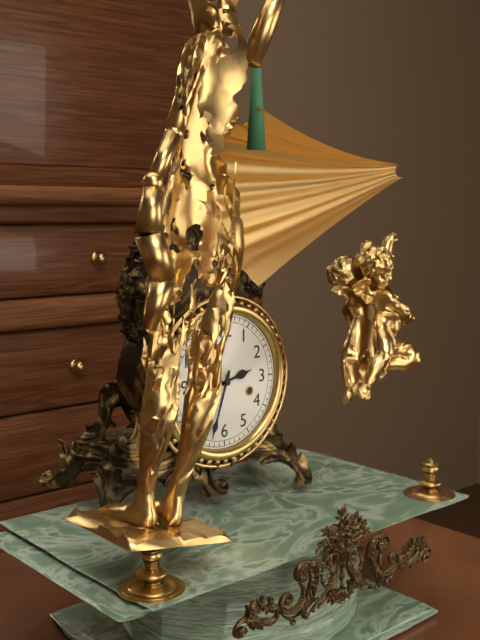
2.33
